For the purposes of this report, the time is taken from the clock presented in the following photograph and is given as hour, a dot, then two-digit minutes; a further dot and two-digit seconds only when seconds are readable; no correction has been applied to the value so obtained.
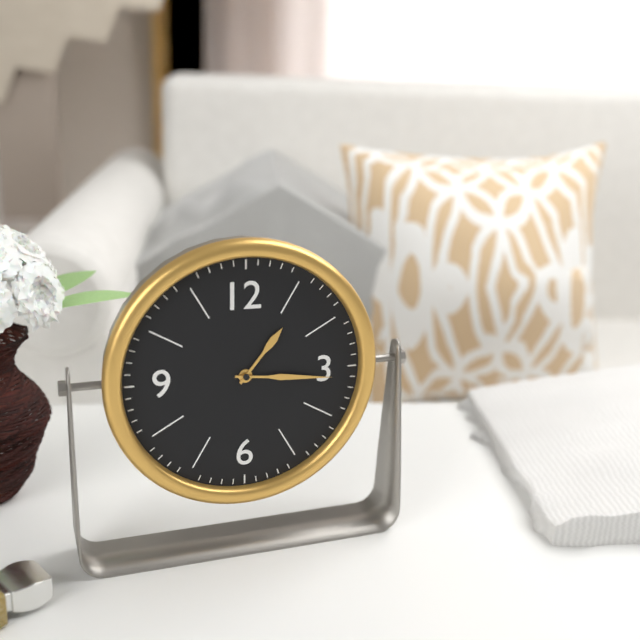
1.16
